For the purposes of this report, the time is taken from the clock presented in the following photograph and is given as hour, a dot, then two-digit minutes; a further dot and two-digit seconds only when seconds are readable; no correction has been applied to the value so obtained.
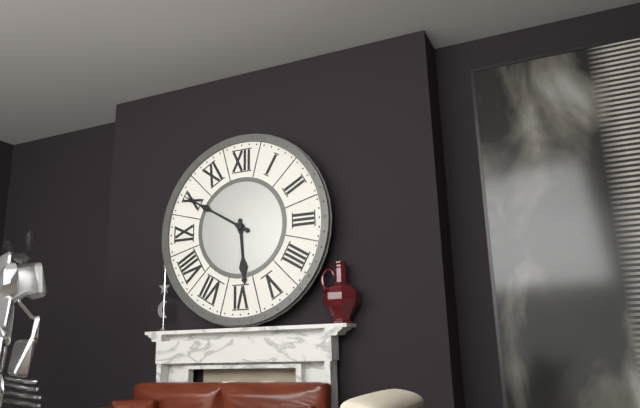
5.50
